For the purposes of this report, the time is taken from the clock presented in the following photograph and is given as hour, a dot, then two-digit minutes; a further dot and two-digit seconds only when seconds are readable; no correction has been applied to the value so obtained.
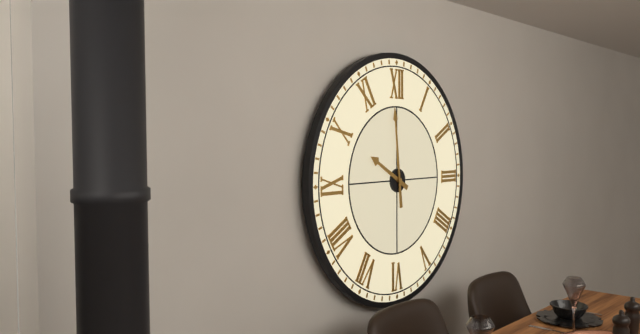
9.59
